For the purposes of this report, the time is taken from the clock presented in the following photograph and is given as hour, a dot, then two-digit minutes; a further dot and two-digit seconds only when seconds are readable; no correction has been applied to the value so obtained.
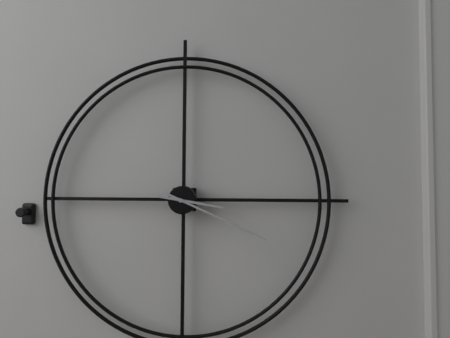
3.19
